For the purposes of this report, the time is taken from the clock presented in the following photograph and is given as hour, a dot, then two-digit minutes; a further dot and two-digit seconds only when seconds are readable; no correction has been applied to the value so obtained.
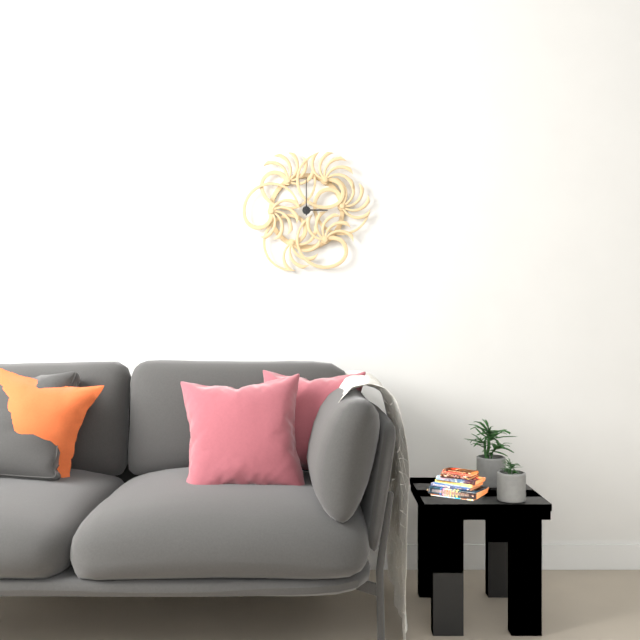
3.00
